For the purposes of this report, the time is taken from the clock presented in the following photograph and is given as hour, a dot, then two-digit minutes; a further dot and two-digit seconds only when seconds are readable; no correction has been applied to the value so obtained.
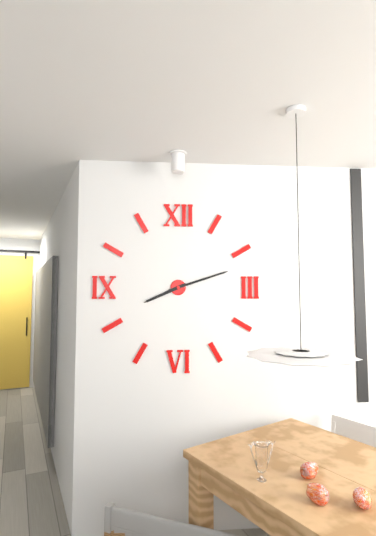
8.12
